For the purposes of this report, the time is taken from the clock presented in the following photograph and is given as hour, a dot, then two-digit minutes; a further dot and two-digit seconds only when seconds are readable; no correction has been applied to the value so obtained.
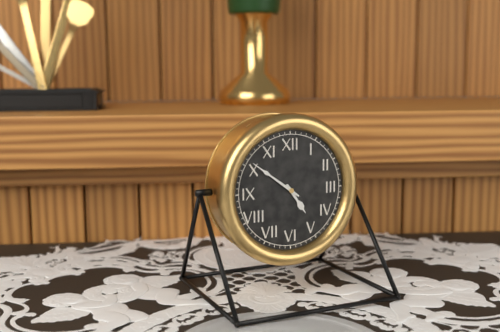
4.51
